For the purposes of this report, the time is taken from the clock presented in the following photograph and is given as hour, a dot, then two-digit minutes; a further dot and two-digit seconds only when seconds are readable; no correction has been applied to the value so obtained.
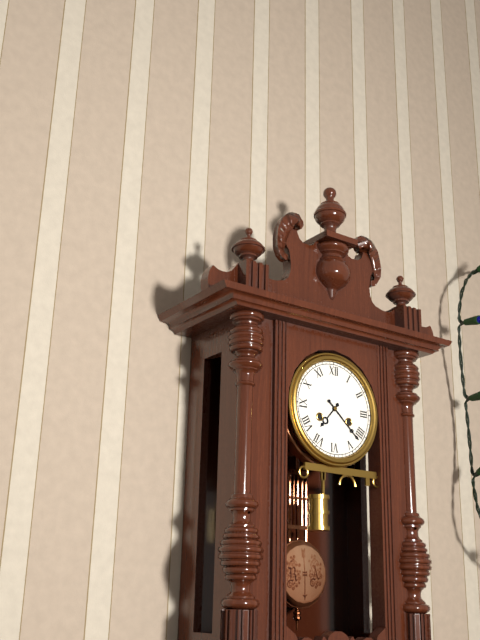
7.22
